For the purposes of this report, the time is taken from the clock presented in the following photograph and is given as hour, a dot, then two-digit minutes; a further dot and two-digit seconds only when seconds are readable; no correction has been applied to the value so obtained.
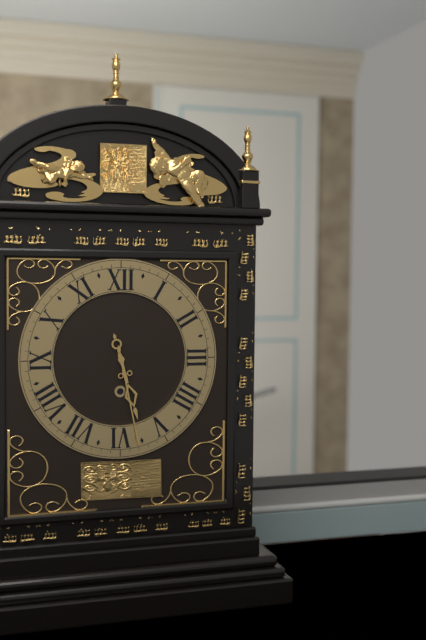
5.28
